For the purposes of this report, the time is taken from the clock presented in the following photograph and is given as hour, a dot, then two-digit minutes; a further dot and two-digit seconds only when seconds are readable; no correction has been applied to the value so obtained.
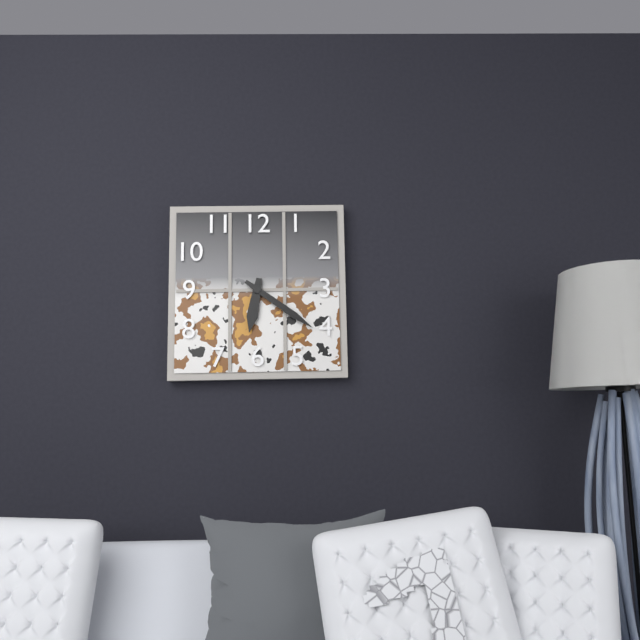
6.21
